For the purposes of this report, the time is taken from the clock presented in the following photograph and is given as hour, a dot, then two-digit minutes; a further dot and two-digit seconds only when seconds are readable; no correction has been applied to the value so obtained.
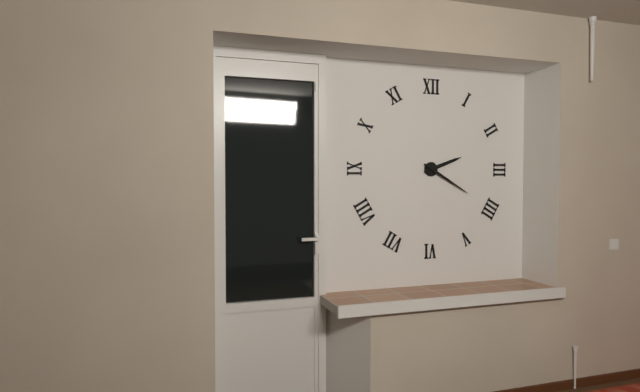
2.20
